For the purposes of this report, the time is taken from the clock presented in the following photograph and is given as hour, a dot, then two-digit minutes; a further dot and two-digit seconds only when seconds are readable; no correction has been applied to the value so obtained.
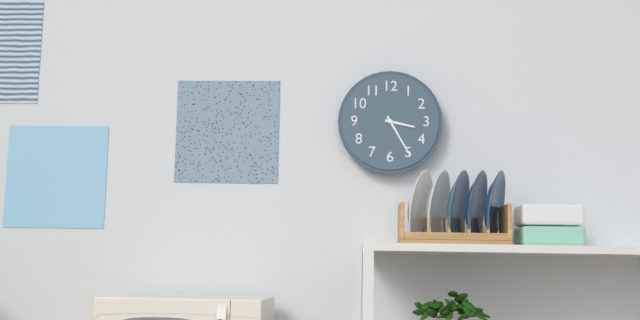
3.25
